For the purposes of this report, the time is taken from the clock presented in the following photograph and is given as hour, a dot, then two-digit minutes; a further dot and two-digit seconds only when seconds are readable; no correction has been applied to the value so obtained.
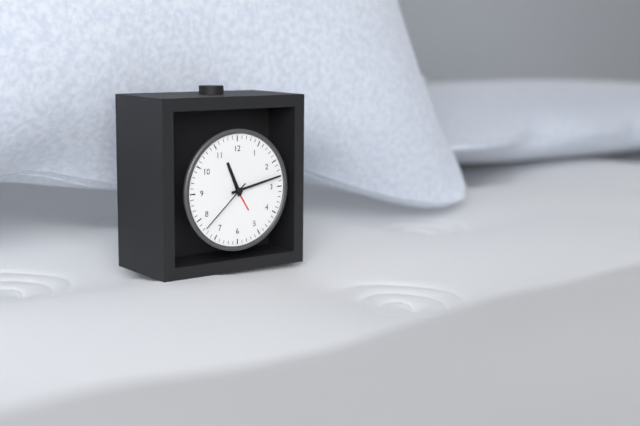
11.13.38
